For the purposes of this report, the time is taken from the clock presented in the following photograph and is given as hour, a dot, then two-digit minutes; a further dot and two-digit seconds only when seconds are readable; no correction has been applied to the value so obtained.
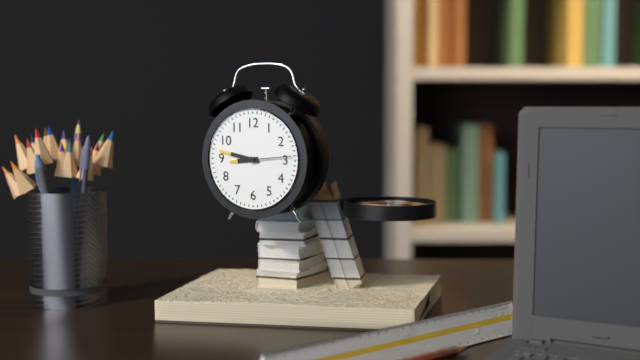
8.47
